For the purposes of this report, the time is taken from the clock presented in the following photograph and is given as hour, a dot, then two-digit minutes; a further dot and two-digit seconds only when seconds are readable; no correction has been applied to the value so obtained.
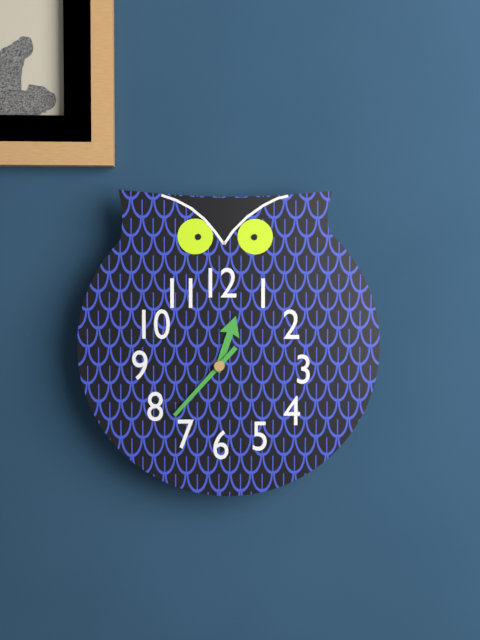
12.37
